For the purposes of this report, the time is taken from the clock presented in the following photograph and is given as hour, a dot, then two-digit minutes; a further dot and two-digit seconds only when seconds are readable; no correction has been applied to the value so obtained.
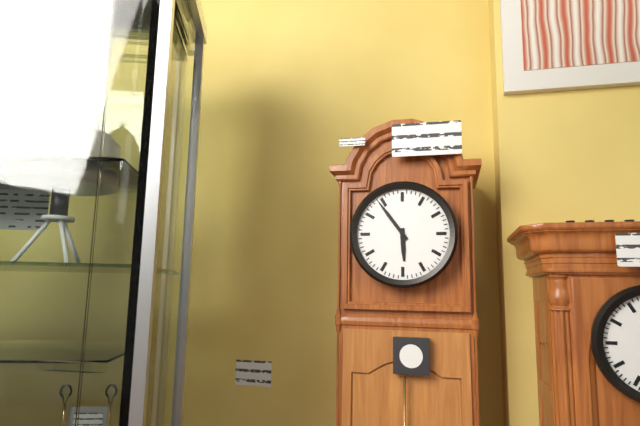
5.54
